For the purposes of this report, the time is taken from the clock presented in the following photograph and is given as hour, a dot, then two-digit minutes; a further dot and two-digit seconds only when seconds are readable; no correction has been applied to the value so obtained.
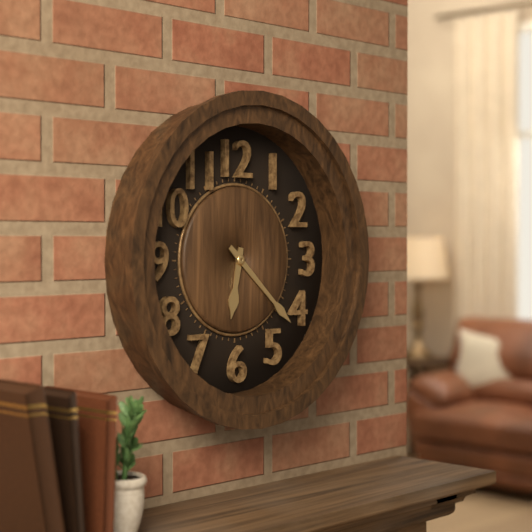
6.22
